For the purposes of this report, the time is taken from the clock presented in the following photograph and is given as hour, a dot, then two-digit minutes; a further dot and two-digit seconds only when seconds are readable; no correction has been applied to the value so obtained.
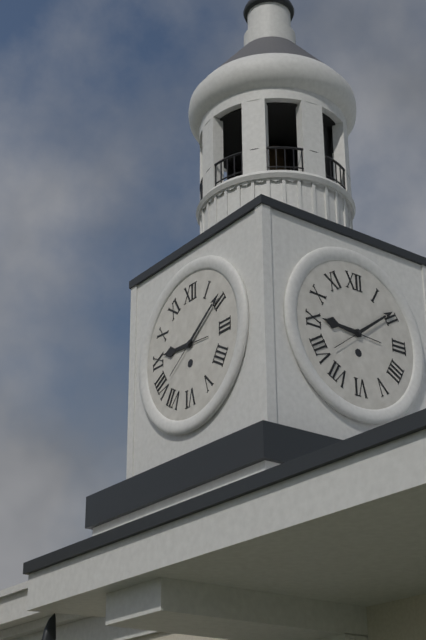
9.09
